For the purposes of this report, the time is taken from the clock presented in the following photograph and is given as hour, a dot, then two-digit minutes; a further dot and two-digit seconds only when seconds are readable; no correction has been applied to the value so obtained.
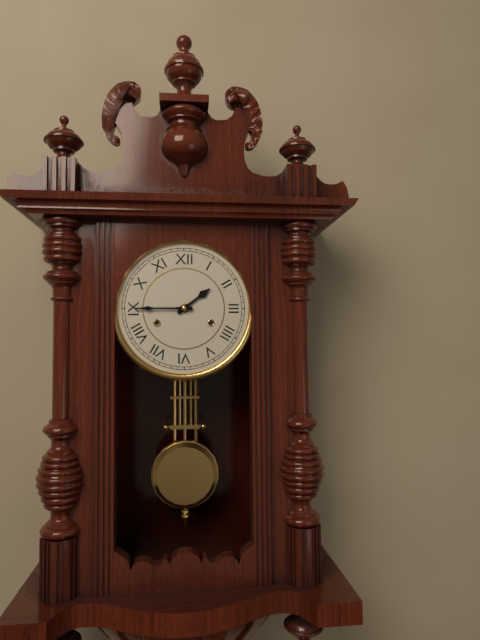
1.45
